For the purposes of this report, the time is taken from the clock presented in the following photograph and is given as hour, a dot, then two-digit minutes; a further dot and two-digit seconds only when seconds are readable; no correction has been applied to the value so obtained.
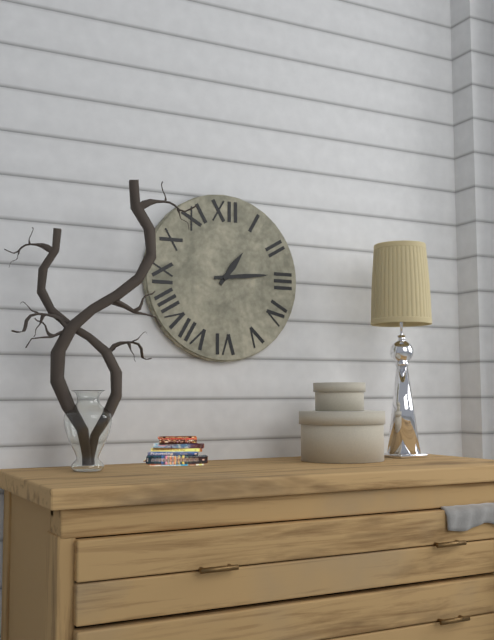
1.14
